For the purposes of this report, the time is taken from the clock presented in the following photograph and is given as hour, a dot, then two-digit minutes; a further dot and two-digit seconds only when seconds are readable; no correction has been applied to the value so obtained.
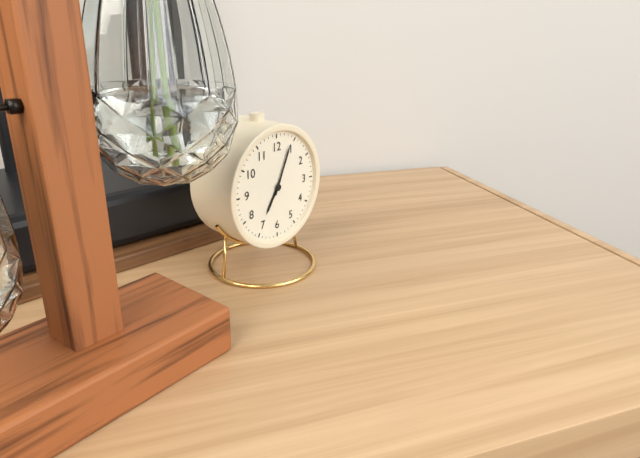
7.04
